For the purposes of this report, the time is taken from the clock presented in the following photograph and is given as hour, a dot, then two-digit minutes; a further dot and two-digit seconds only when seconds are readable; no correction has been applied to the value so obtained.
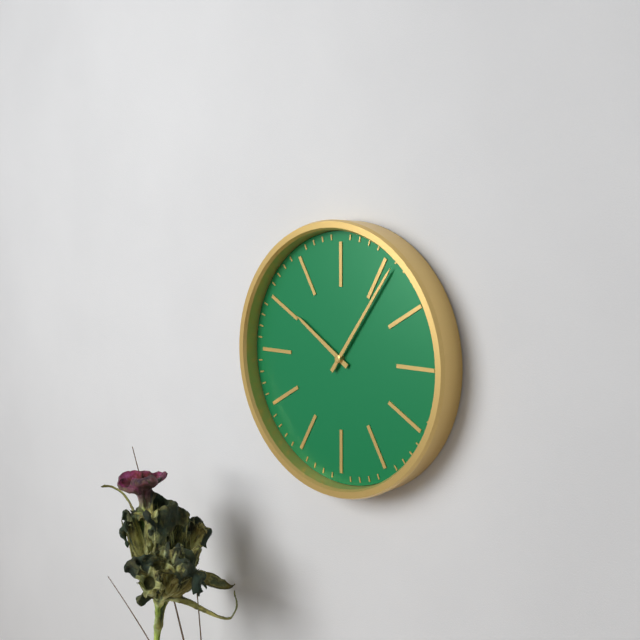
10.06
